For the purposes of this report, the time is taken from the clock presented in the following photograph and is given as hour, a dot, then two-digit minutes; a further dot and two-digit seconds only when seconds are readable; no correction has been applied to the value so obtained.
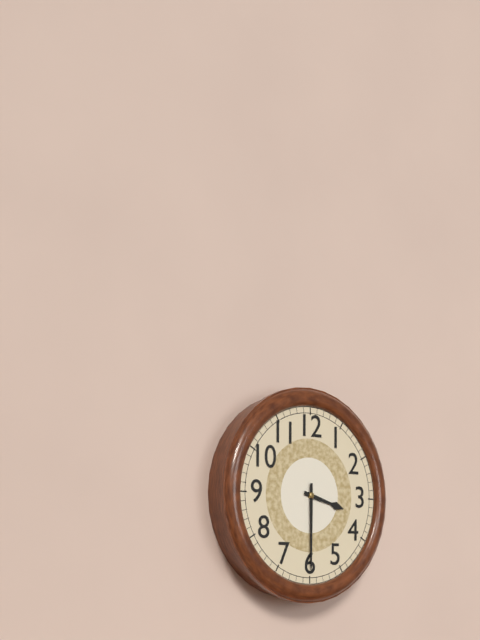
3.30
